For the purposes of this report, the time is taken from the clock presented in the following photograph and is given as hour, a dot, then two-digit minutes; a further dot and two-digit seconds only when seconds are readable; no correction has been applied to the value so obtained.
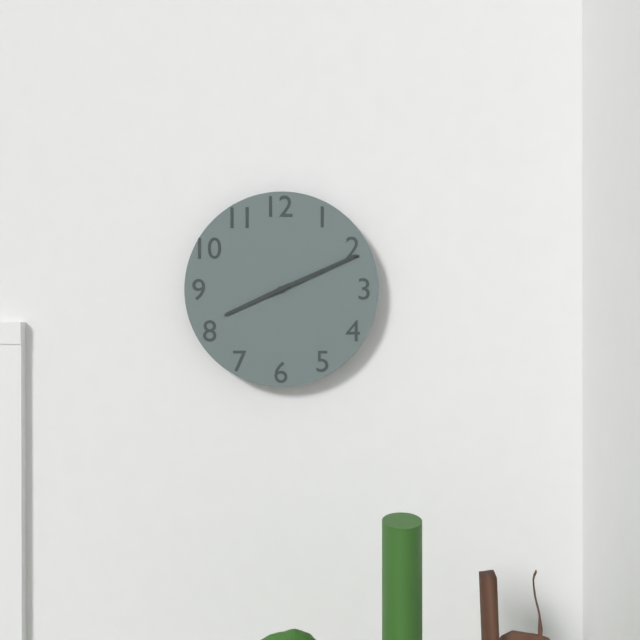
8.11
